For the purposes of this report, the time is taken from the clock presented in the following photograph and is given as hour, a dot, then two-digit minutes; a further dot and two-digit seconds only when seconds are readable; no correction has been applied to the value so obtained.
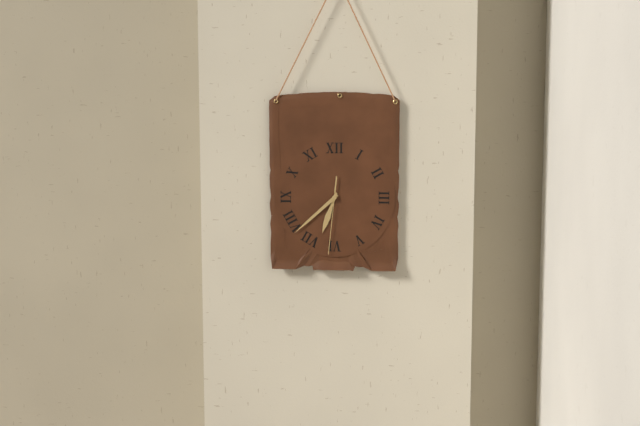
6.38.31
